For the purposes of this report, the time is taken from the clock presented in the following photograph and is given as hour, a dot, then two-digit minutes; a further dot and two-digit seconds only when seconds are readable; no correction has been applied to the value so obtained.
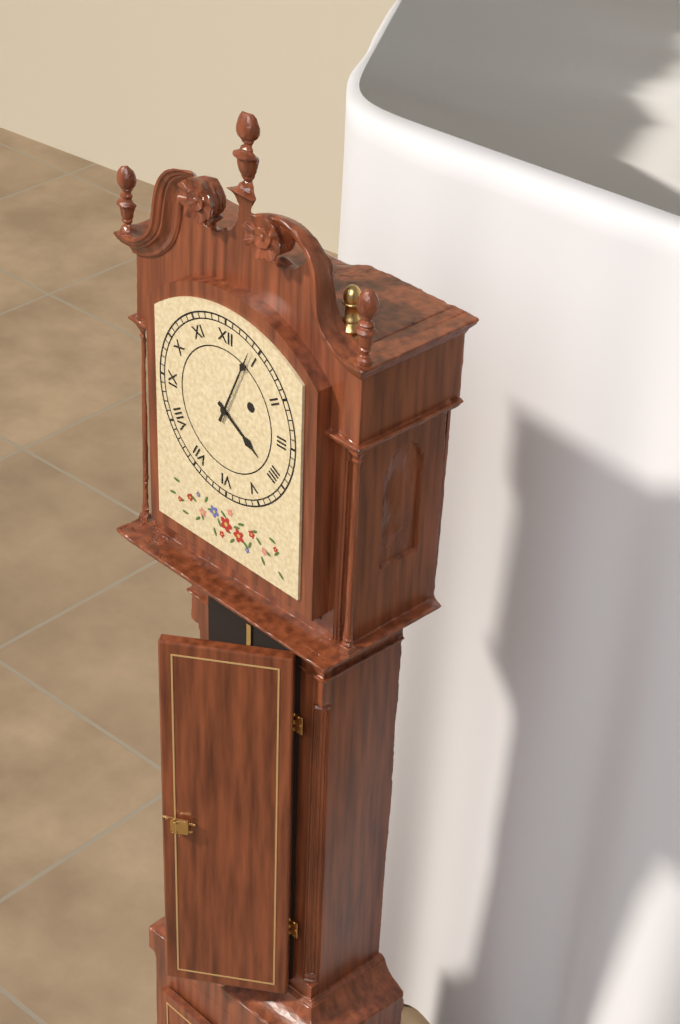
4.04
